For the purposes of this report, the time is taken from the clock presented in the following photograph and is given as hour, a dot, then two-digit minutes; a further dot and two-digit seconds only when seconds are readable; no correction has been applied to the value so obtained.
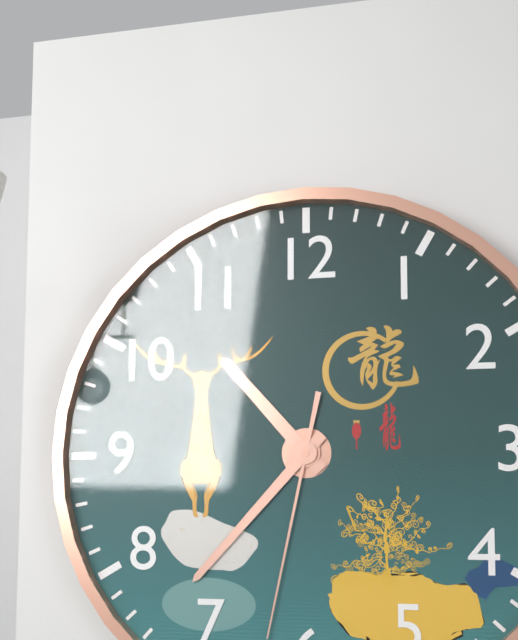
10.37.32
